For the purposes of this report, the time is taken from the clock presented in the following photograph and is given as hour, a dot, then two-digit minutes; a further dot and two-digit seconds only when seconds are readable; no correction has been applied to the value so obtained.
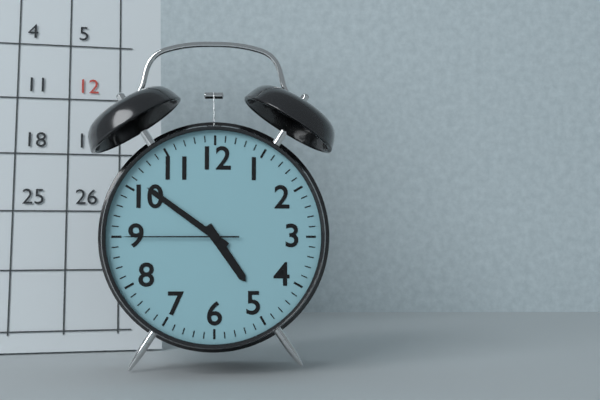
4.51.45
